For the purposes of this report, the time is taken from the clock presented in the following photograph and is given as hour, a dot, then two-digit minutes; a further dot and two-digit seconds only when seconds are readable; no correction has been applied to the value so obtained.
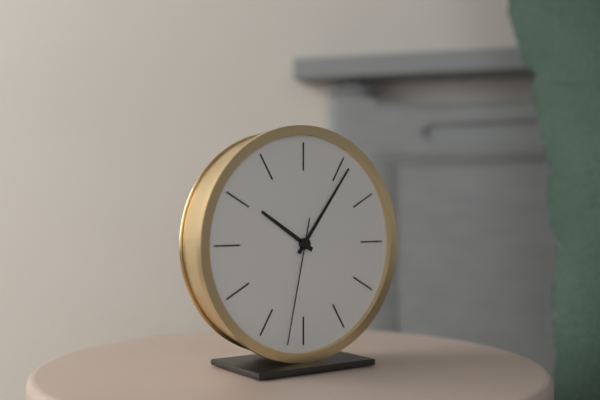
10.06.32
